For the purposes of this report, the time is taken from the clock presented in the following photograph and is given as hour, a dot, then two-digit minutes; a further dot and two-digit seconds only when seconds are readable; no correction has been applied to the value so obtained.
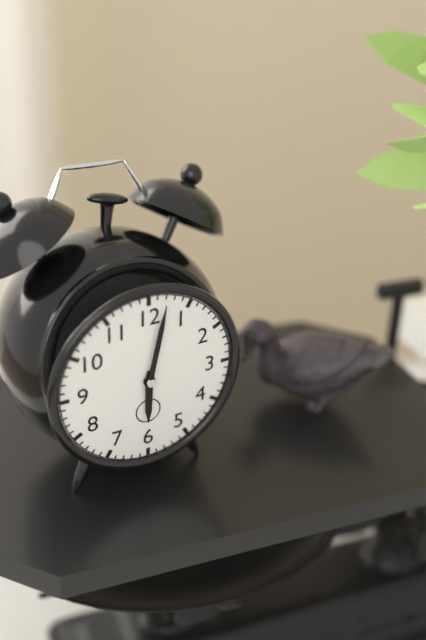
6.02
